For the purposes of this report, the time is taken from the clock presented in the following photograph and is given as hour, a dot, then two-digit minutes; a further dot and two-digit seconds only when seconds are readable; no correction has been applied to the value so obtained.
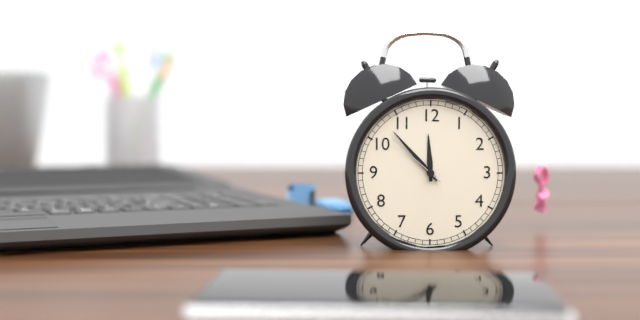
11.53.52
